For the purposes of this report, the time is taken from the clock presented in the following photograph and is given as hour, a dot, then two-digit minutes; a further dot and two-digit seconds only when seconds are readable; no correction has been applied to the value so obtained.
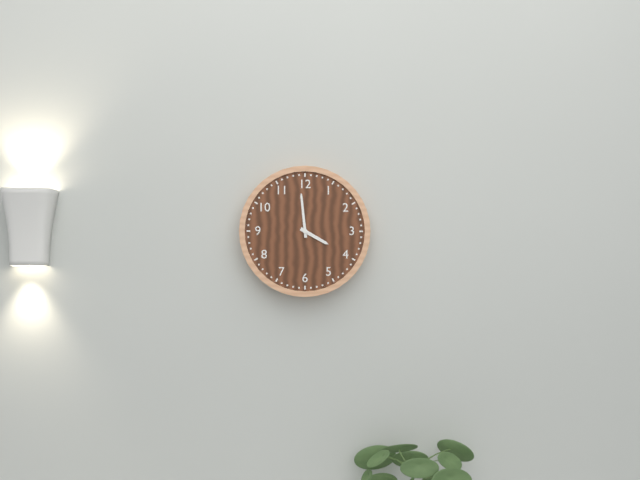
3.59
